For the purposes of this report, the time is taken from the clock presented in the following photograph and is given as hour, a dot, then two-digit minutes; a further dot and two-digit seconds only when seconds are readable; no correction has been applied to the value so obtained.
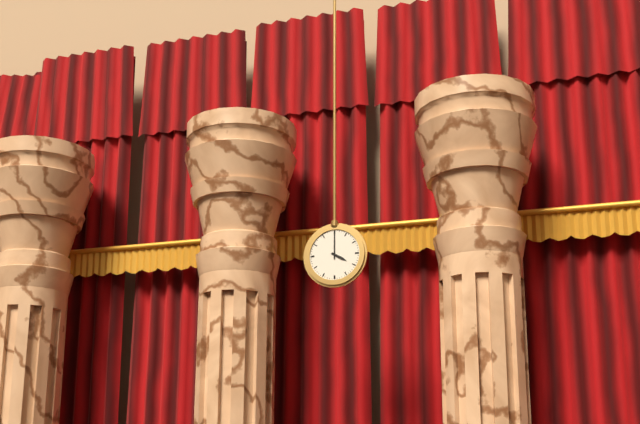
4.00
